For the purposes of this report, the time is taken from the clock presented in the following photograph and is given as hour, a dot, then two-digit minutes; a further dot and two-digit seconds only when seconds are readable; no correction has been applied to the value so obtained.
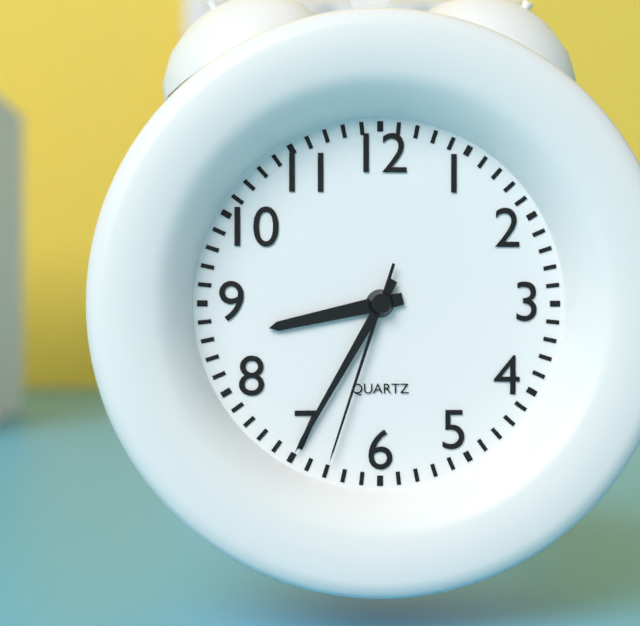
8.35.33
